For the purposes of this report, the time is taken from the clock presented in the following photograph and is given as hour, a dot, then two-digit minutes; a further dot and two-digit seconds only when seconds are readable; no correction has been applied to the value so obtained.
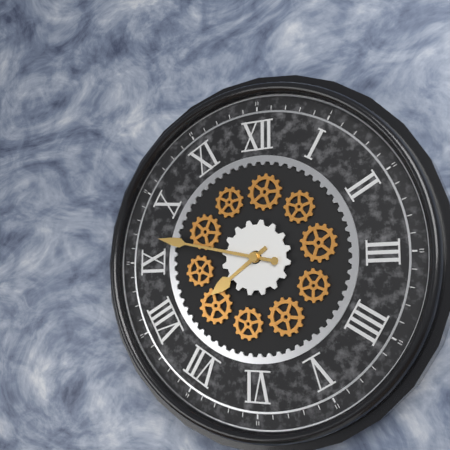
7.47
